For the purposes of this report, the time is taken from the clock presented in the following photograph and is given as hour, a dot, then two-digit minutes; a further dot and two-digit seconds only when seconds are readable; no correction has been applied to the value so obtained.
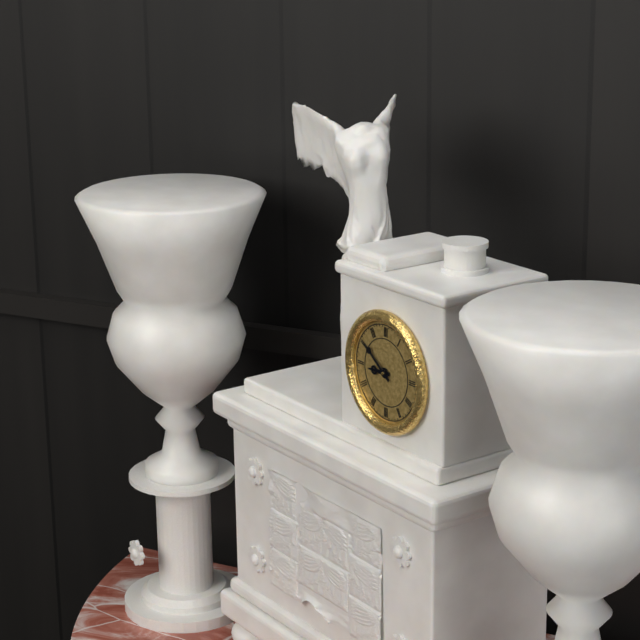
8.51
